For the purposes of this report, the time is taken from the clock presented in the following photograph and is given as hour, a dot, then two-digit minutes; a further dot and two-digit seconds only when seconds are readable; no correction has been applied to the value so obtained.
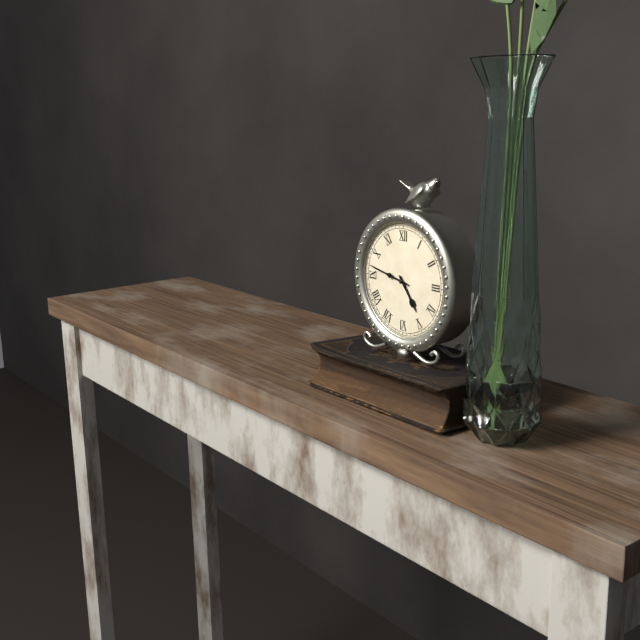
4.47
